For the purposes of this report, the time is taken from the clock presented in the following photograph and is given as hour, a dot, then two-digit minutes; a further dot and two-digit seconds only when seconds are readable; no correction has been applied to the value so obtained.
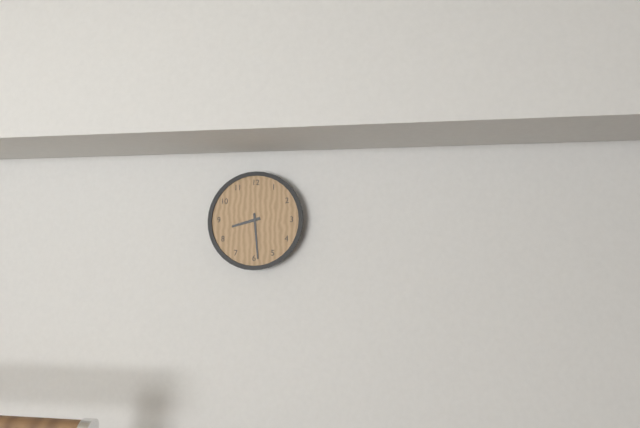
8.29
